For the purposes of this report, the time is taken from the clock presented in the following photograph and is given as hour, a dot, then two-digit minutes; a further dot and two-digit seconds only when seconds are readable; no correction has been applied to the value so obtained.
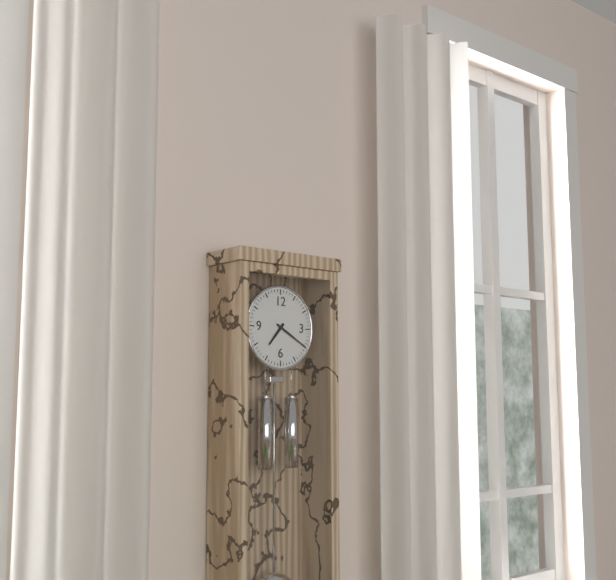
7.20
